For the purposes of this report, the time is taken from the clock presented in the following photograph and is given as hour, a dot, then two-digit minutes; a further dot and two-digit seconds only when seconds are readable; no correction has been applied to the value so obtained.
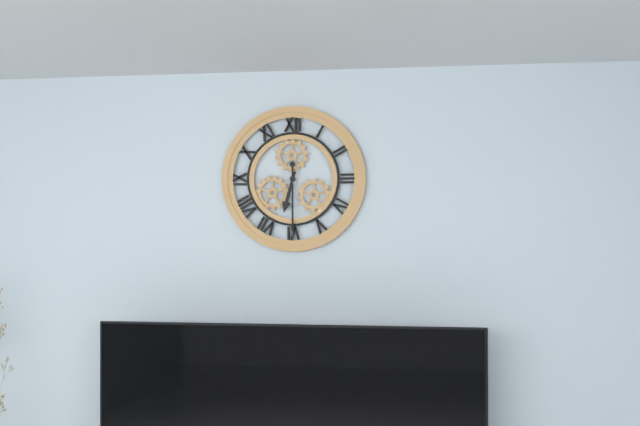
6.30
